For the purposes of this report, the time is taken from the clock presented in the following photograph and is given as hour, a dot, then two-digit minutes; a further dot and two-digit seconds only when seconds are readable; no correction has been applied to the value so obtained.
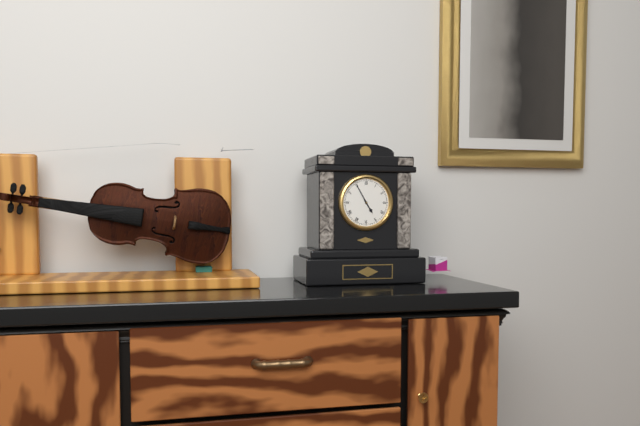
4.55
